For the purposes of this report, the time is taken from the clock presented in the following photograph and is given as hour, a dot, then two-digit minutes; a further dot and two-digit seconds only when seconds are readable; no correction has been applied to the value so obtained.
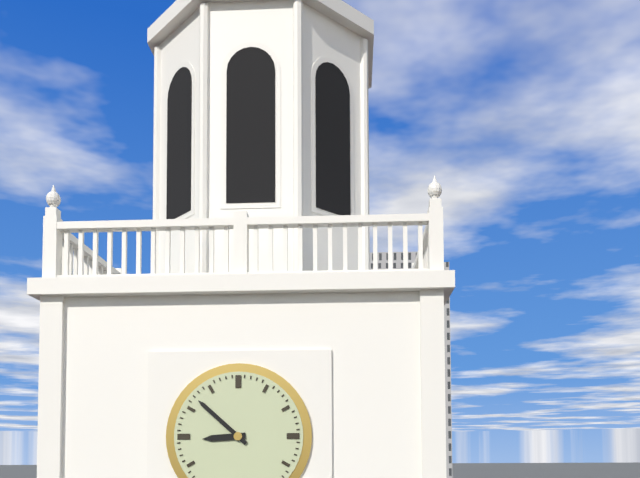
8.52
